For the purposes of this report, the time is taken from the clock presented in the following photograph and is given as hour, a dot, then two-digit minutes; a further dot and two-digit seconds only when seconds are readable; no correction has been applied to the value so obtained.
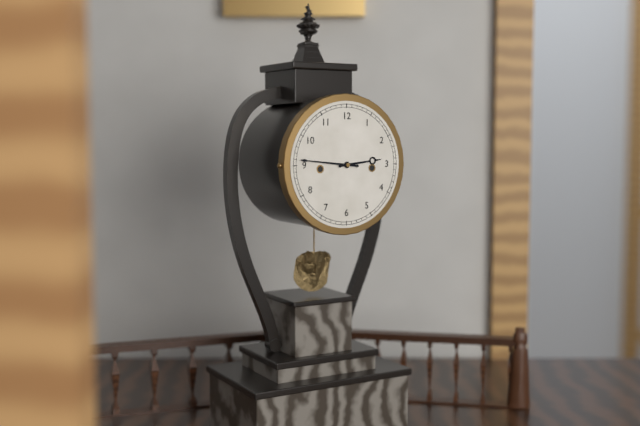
2.46
